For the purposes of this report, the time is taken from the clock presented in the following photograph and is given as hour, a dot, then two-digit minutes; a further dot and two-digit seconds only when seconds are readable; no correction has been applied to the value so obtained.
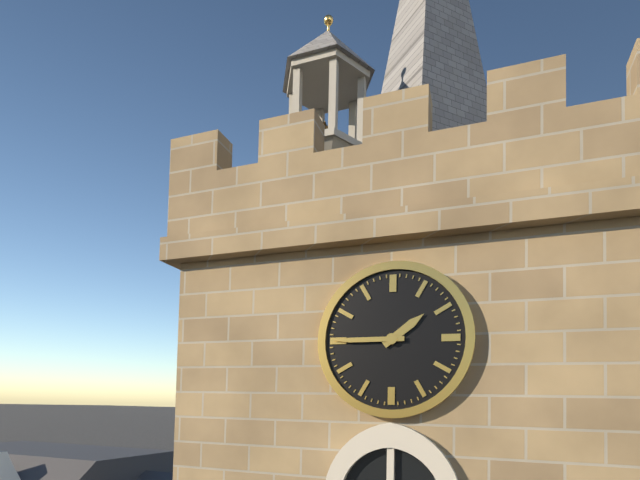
1.45
